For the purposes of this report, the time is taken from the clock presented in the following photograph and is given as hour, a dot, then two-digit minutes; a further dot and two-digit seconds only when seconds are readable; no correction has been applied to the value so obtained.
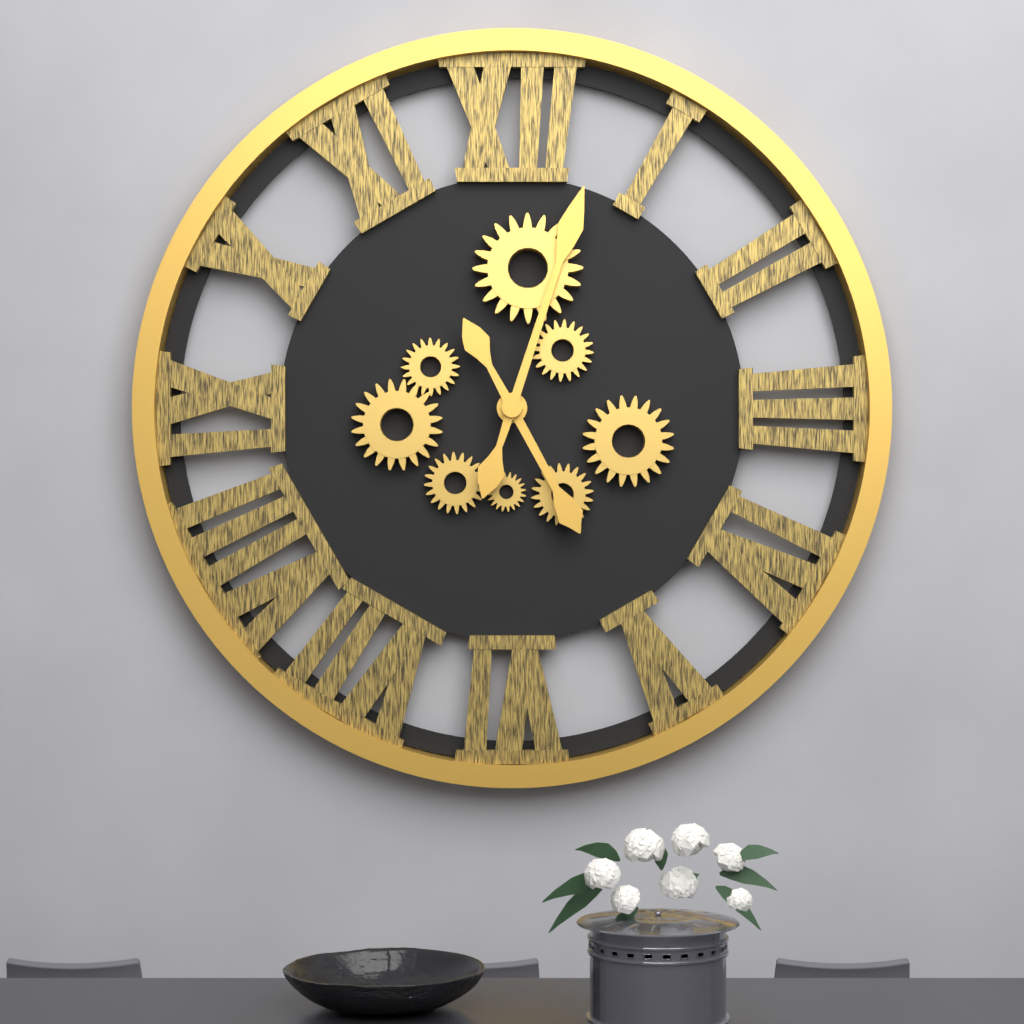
5.03
